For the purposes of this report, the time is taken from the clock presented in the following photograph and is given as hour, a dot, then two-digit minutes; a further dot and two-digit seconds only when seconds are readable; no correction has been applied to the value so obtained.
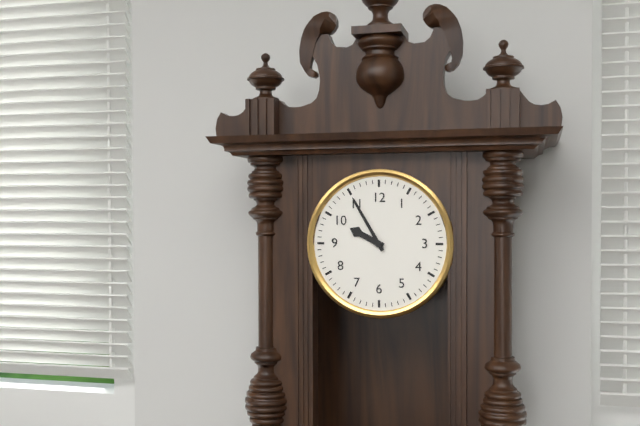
9.55
